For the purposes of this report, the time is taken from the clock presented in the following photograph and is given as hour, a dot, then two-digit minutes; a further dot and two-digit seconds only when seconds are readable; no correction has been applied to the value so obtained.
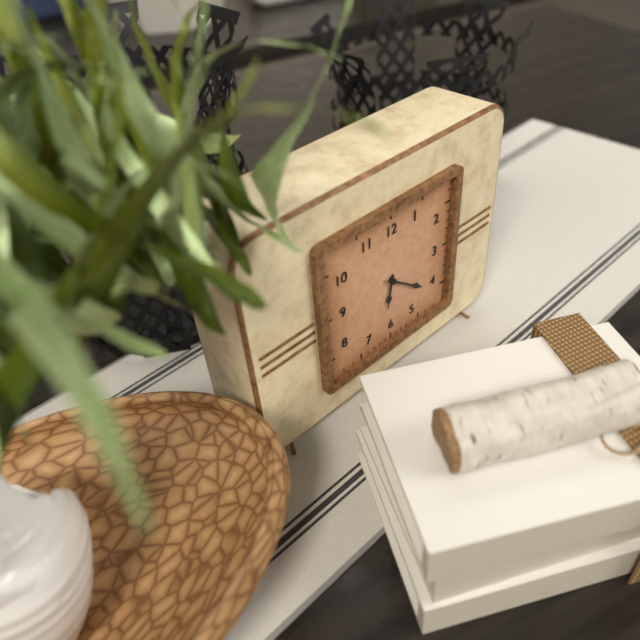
6.21
